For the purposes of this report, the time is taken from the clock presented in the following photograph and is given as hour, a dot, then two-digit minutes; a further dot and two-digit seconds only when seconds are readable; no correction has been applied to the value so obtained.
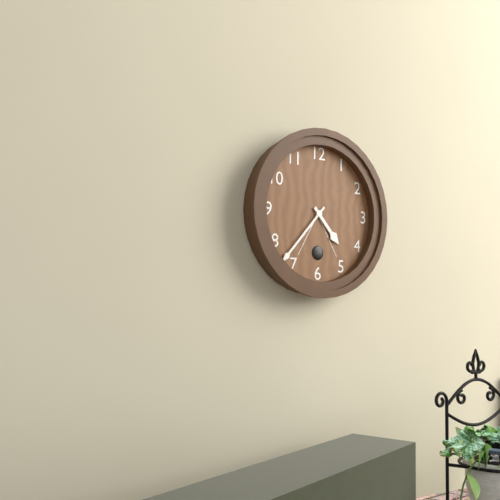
4.37
